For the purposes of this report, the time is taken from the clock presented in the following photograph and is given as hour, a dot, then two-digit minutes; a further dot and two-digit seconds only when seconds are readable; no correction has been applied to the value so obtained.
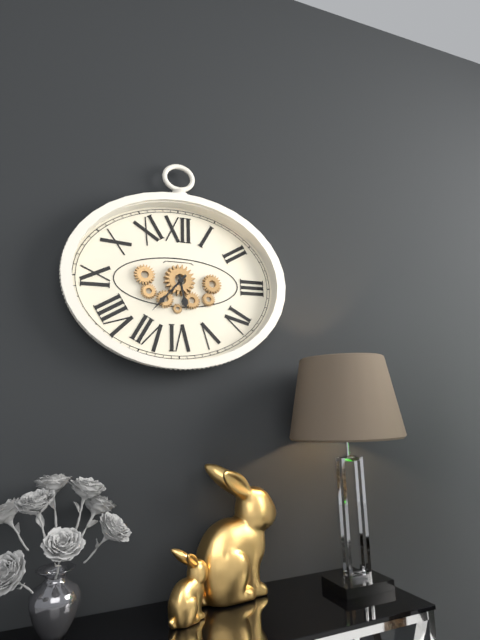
5.37
